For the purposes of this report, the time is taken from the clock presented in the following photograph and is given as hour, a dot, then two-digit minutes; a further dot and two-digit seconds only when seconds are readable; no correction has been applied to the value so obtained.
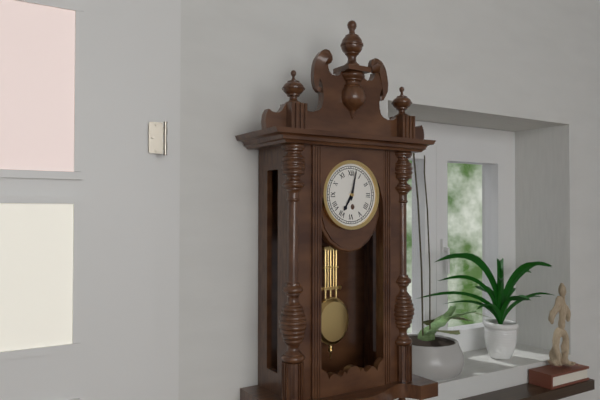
7.02
